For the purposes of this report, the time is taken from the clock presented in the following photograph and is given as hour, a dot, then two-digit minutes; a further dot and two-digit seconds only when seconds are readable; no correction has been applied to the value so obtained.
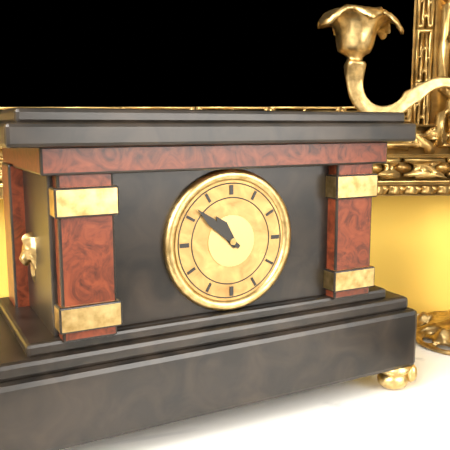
10.52
